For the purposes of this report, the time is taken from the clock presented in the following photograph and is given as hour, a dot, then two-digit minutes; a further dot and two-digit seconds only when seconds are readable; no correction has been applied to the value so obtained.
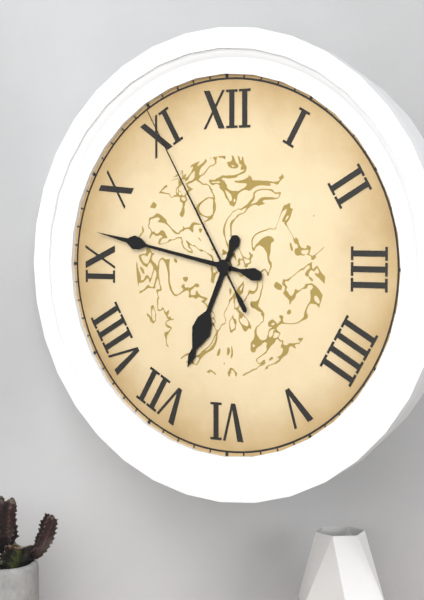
6.47.55
